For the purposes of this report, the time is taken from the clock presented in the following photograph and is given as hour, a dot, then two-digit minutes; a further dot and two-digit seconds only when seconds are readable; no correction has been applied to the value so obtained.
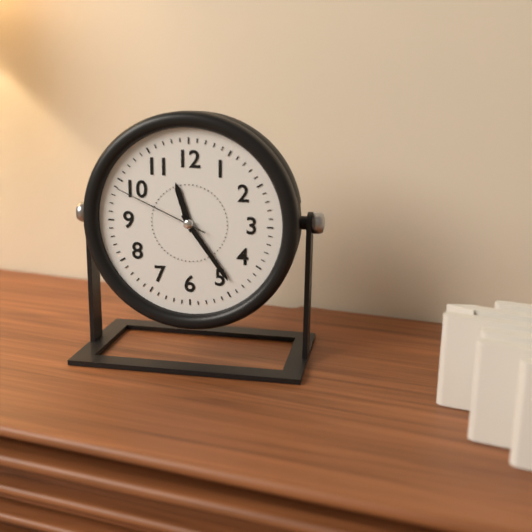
11.24.49
